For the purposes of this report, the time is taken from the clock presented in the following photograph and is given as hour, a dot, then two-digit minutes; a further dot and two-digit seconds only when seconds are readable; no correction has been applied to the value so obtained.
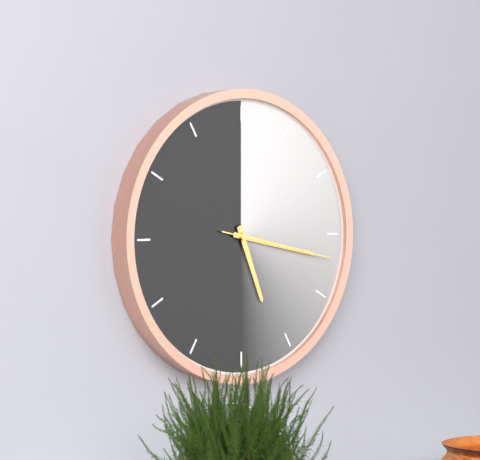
5.17.17
